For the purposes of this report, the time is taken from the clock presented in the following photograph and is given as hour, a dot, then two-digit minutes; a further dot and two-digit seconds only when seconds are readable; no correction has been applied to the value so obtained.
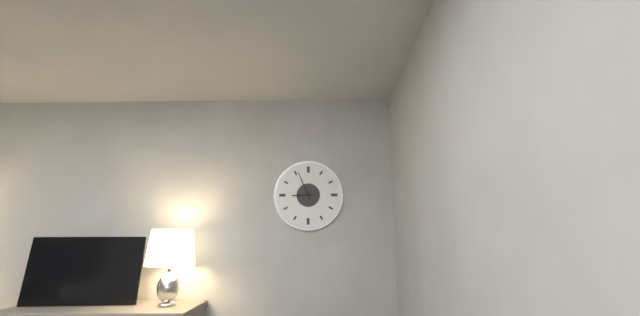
8.56
